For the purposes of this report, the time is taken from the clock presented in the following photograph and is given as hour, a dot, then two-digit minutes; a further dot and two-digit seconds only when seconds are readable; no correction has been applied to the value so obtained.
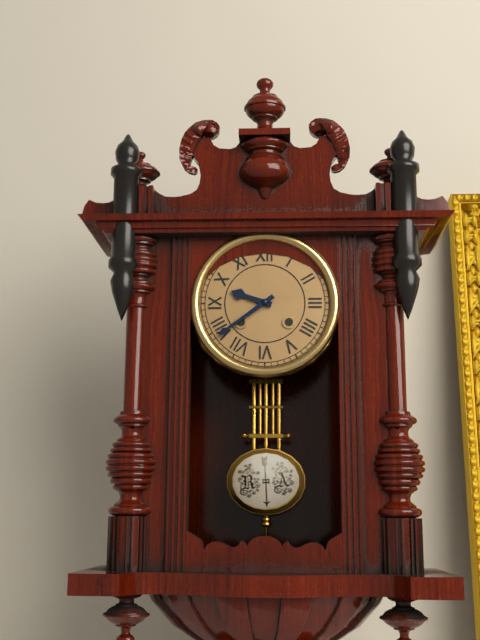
9.39
